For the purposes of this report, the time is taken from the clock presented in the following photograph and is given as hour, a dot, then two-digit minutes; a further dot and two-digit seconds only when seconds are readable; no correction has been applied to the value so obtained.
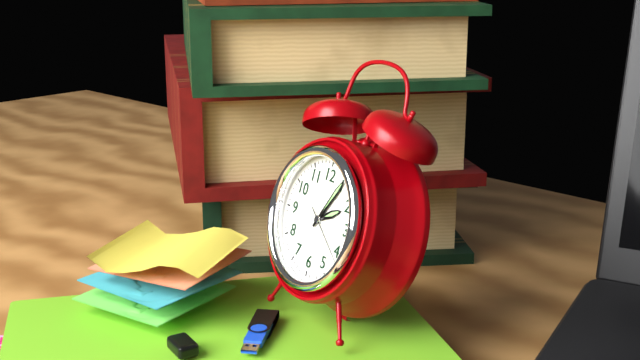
2.05.21
